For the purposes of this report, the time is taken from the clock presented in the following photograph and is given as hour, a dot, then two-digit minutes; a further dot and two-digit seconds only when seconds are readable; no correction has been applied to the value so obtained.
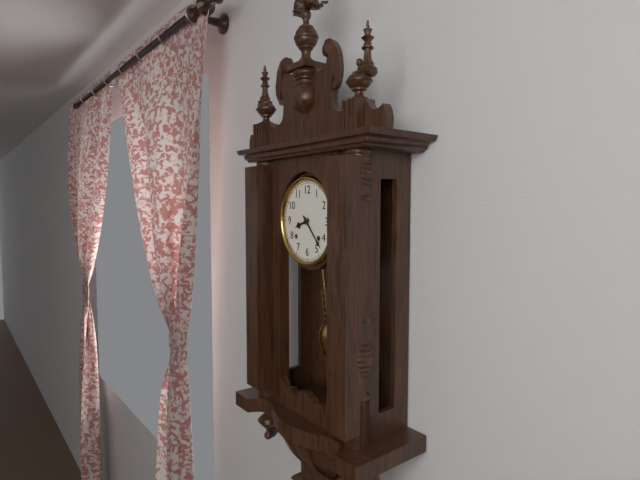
8.23
